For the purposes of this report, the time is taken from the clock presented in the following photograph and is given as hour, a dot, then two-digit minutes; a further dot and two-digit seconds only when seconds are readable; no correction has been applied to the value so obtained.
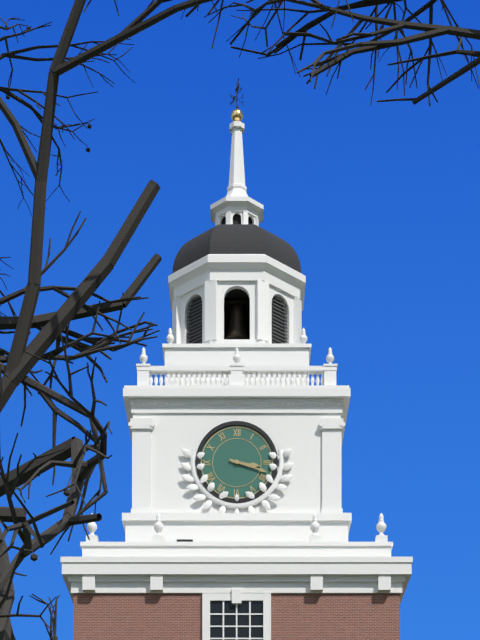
3.18
